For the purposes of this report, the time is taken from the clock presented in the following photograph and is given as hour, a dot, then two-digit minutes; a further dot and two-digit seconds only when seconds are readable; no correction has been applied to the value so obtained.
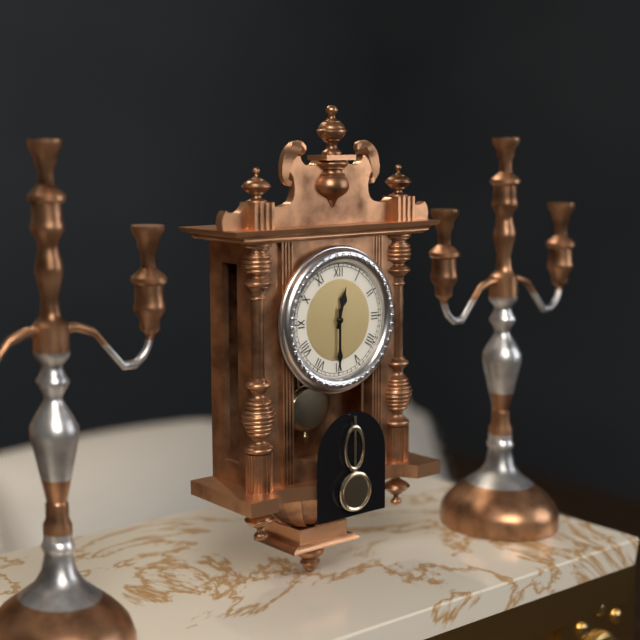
12.30
